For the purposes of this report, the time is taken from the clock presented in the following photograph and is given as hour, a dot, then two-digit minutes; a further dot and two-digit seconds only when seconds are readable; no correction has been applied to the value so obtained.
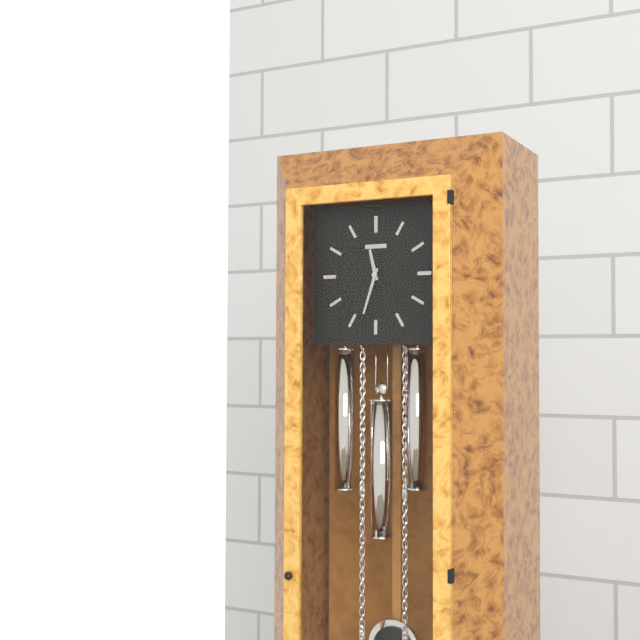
11.33
